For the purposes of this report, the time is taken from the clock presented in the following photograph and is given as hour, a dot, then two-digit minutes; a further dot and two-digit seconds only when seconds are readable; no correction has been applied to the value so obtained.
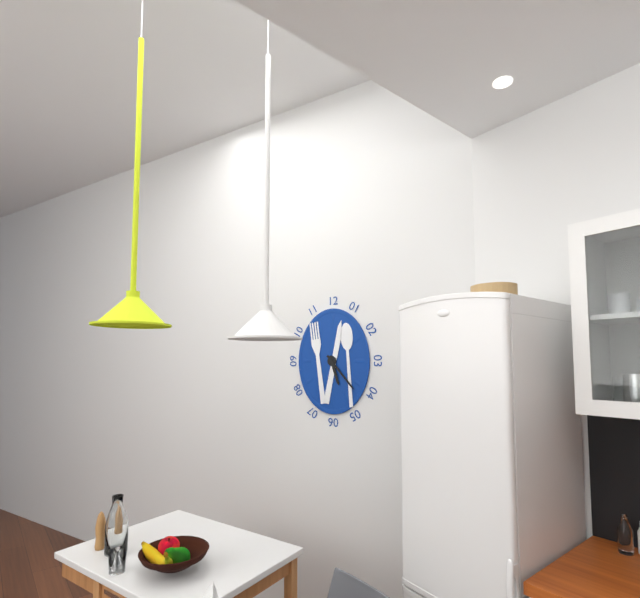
5.23
